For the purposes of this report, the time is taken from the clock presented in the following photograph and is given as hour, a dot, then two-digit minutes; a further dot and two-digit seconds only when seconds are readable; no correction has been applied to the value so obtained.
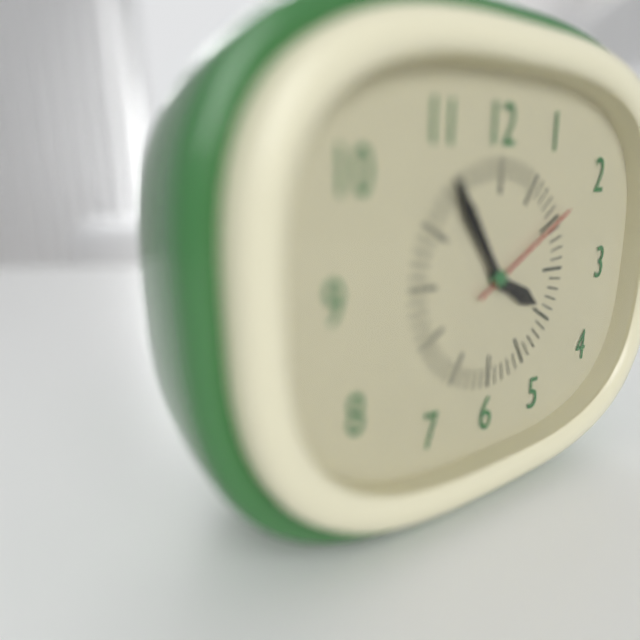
3.54.10
